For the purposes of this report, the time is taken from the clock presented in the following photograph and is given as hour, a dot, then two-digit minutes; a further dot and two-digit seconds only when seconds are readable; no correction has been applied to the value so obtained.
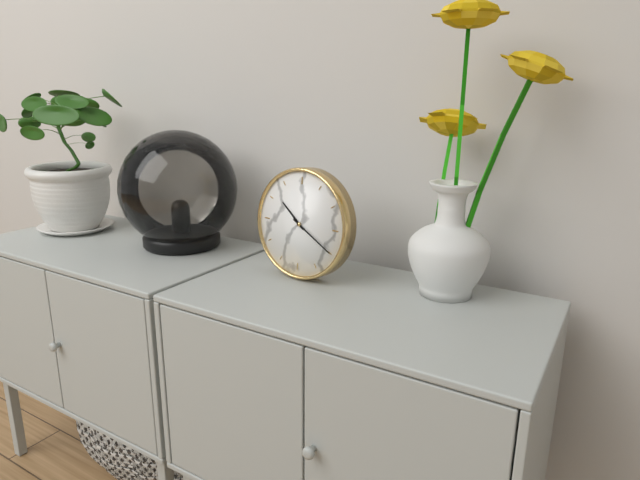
10.20
